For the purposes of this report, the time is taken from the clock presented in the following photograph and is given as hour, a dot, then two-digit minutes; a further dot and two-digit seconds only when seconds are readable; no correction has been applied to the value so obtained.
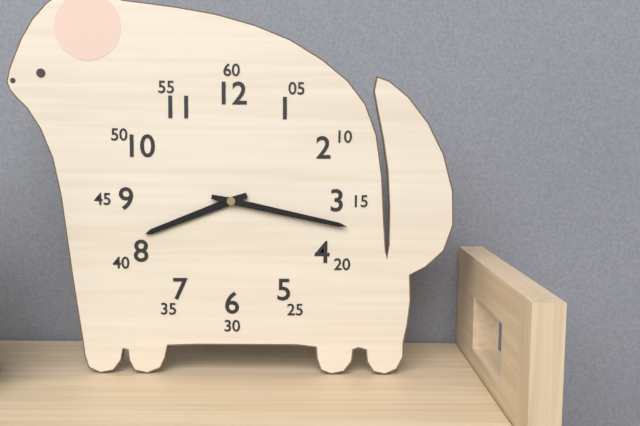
8.17
